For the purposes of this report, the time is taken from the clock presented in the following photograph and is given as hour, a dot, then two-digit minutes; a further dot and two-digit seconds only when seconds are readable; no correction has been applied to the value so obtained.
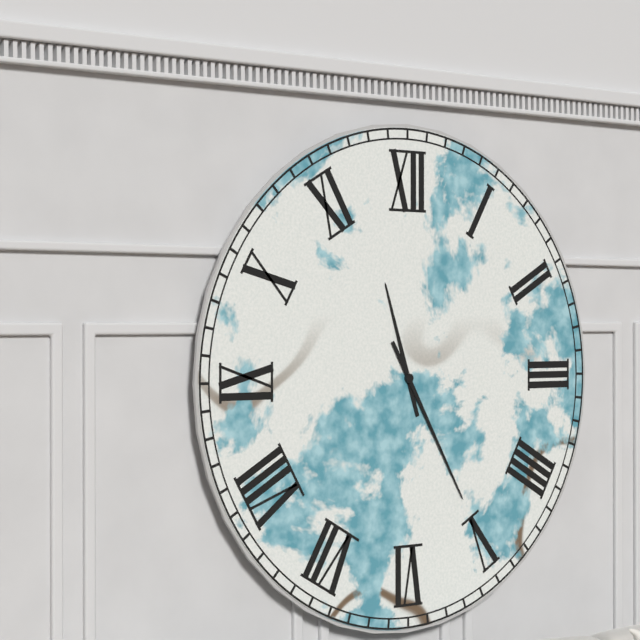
11.25
